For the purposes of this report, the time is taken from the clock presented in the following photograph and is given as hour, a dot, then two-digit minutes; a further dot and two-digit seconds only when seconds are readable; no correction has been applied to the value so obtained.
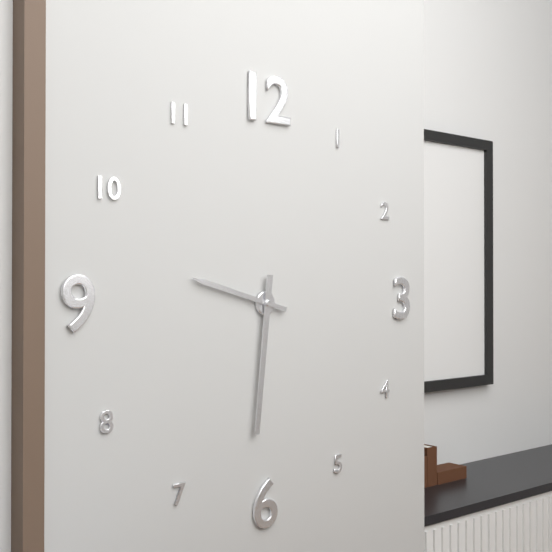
9.31
